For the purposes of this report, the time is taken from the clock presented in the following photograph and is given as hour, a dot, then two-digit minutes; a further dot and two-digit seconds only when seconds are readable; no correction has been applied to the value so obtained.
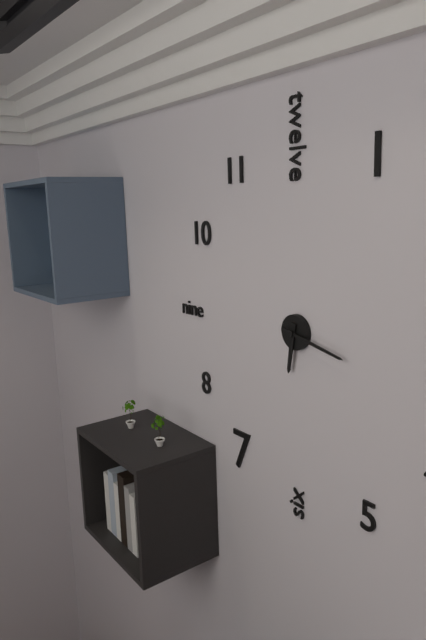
6.17
